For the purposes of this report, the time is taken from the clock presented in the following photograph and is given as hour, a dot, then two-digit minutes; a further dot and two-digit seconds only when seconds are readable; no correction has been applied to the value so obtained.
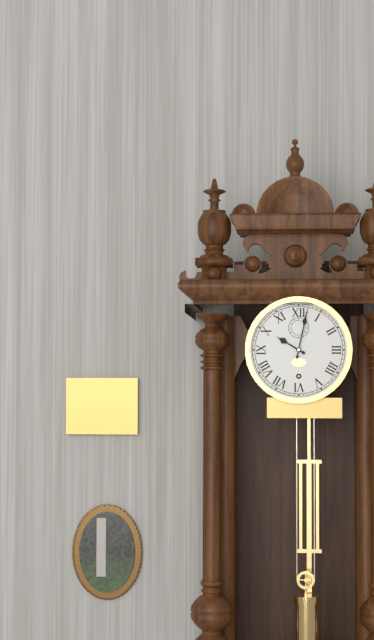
10.02
